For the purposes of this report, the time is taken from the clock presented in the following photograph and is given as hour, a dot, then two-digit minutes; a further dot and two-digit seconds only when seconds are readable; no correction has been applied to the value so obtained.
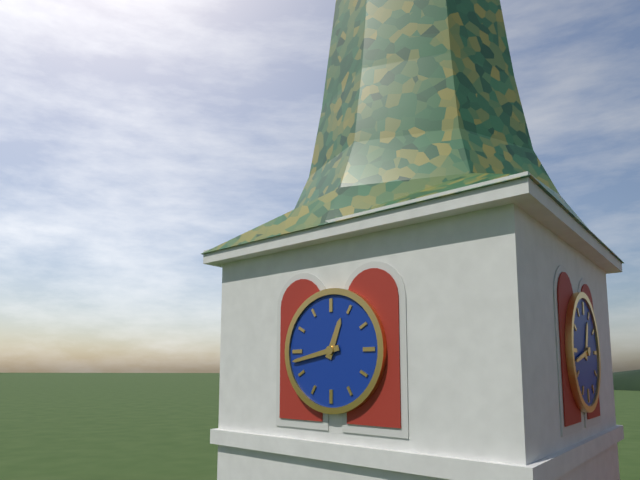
12.43
